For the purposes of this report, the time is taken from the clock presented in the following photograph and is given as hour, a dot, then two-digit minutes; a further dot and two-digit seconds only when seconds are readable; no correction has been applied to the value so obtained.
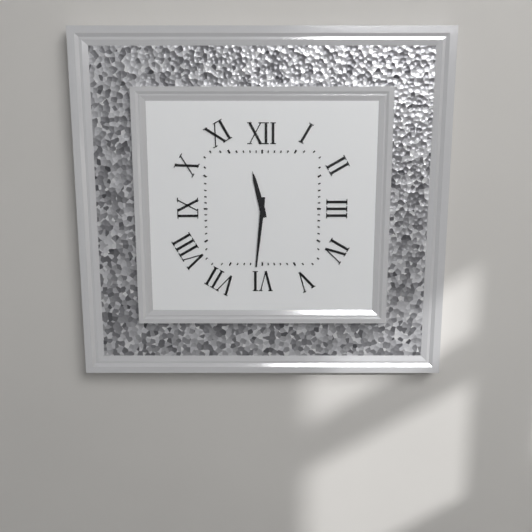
11.31
